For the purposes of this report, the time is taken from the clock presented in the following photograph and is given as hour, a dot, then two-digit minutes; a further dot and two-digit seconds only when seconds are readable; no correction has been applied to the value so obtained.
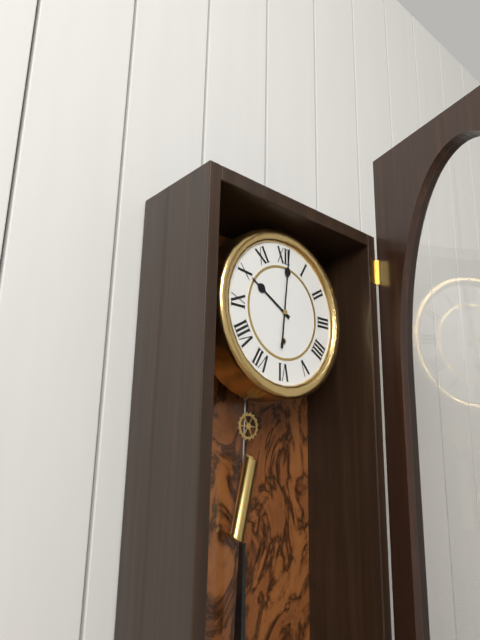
10.01
